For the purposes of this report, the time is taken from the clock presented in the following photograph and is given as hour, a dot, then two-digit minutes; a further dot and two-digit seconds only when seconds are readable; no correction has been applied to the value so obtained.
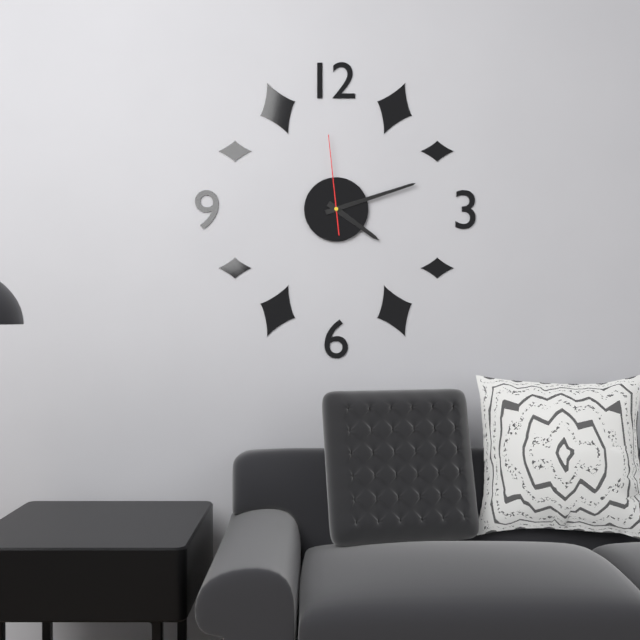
4.12.59
